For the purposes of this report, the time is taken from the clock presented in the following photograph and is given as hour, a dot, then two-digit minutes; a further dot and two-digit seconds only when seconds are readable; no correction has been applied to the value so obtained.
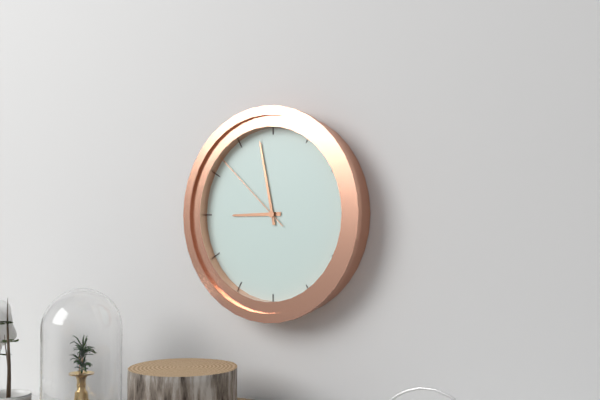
8.58.52
